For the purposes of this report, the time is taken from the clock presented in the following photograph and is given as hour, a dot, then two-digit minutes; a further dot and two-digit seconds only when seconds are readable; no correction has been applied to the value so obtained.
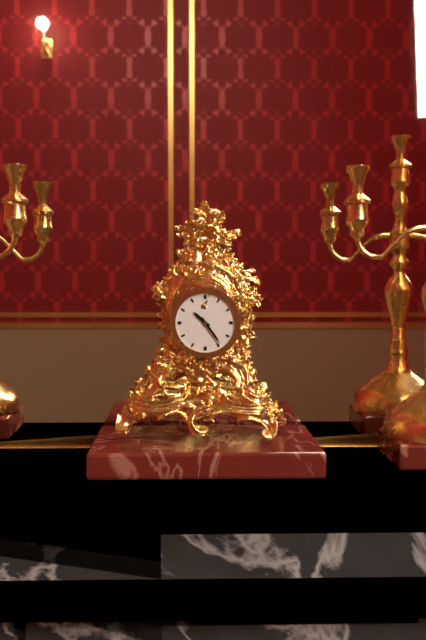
10.24
